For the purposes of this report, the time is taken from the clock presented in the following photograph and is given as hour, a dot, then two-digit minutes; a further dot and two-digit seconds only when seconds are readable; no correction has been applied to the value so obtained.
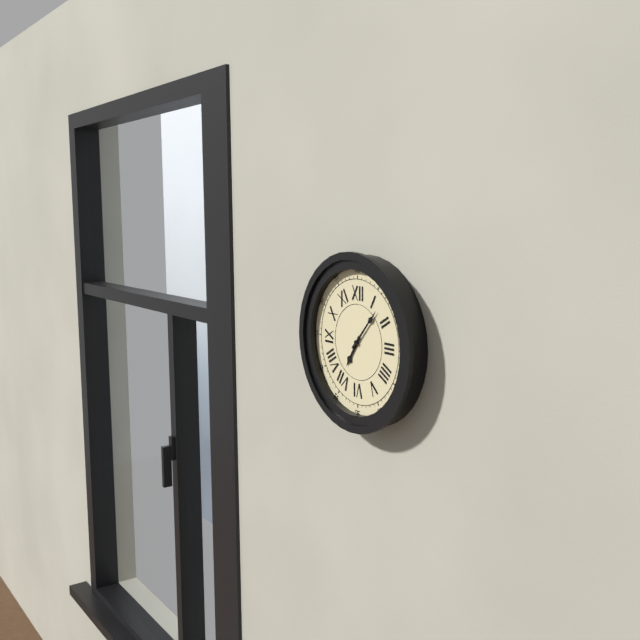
7.07
